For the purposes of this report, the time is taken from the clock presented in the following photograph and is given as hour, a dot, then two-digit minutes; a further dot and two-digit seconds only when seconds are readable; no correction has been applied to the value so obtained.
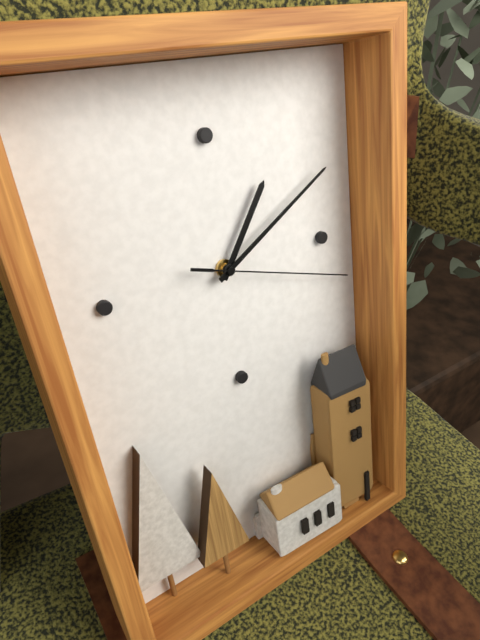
1.10.18
